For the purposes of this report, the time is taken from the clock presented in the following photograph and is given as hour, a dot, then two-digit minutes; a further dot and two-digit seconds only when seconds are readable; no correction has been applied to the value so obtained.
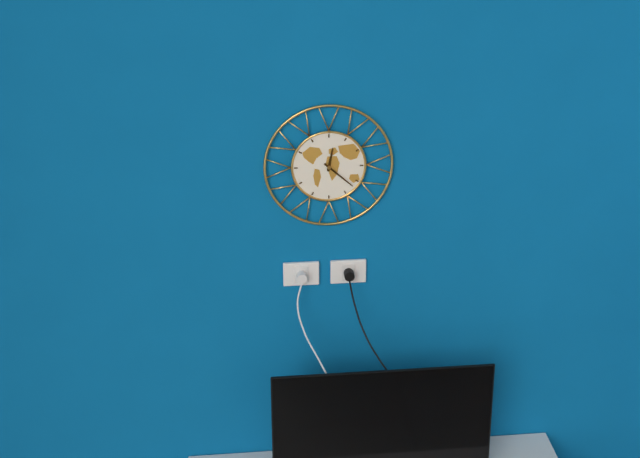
12.22
